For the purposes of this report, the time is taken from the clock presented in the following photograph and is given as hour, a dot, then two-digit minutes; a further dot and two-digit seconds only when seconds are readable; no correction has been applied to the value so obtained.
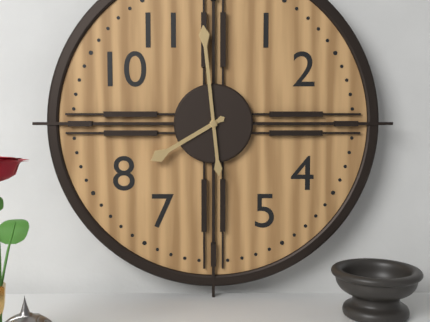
7.59
